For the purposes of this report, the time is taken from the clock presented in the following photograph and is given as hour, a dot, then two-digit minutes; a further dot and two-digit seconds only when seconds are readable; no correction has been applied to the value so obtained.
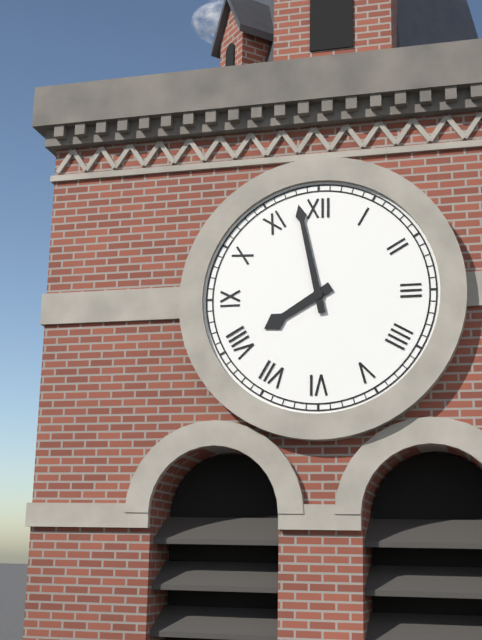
7.58
